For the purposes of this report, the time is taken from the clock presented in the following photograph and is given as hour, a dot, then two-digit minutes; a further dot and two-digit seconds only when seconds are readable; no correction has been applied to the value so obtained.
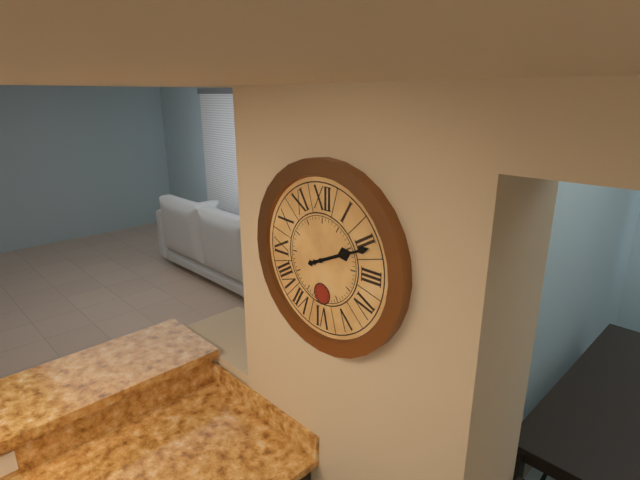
2.11
